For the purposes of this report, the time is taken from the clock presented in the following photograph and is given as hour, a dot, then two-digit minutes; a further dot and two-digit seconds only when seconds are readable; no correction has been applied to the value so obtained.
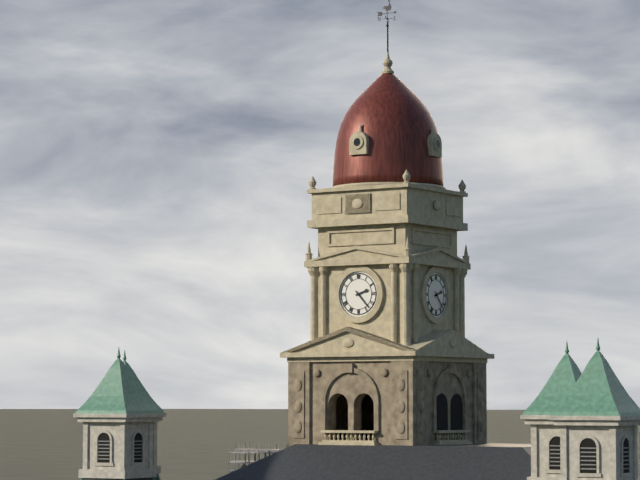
2.23
